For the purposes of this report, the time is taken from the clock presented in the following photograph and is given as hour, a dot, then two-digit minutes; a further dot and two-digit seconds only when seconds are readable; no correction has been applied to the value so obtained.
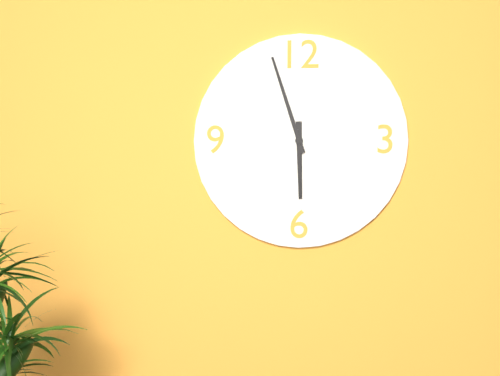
5.57
